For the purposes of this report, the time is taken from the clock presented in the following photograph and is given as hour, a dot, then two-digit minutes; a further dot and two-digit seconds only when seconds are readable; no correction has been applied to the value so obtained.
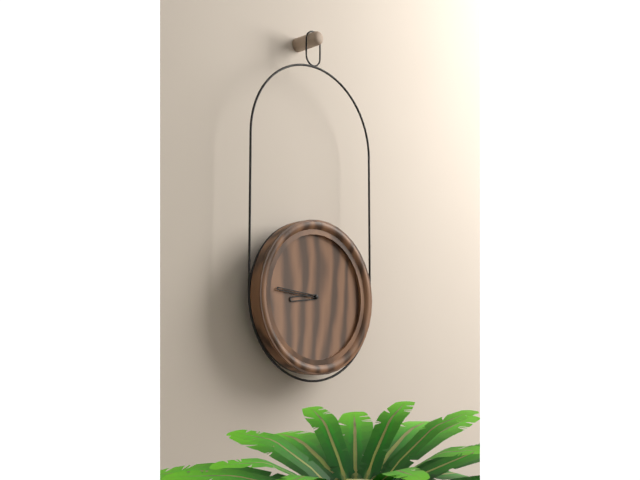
8.46
